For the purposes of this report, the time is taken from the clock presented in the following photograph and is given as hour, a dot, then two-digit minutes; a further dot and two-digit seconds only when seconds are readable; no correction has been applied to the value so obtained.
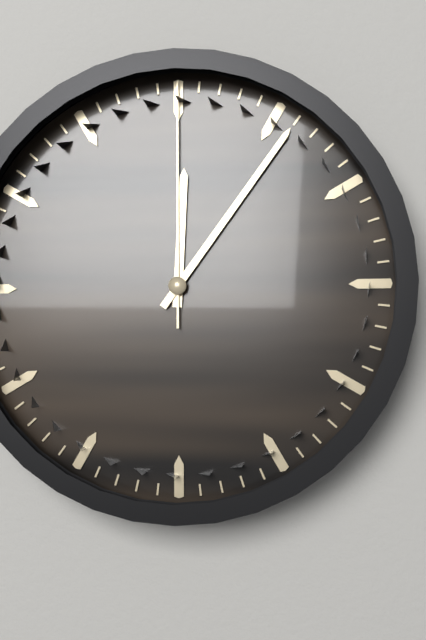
12.06.00
